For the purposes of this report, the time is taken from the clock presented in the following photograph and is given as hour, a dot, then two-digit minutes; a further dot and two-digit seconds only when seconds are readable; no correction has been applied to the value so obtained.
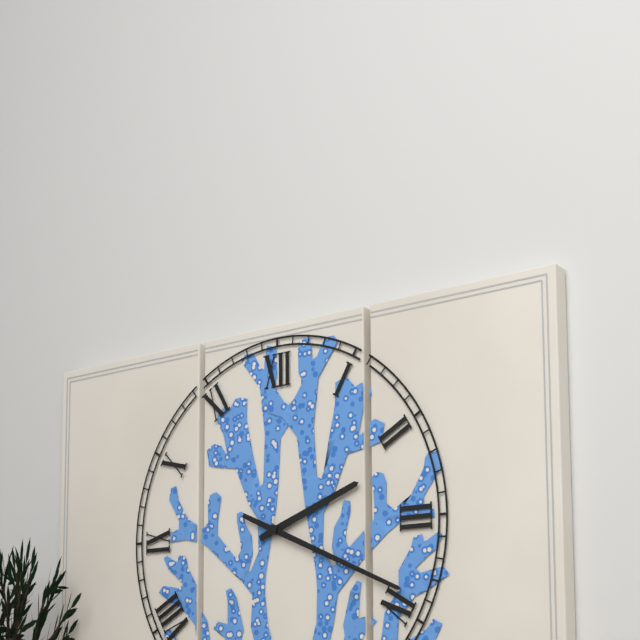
2.19
